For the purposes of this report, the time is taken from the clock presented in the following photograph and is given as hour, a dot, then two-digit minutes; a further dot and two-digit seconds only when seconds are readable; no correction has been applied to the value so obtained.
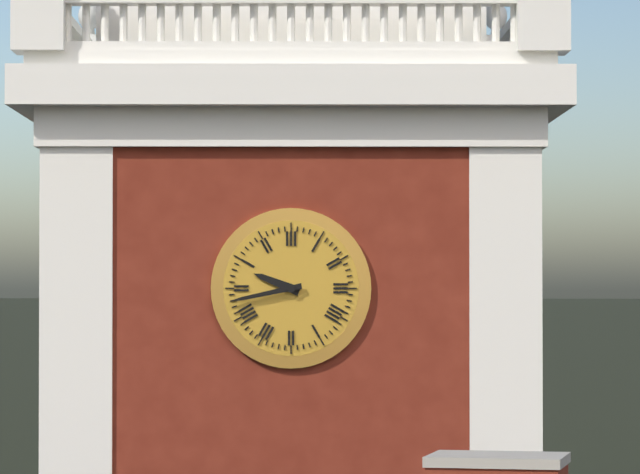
9.43
